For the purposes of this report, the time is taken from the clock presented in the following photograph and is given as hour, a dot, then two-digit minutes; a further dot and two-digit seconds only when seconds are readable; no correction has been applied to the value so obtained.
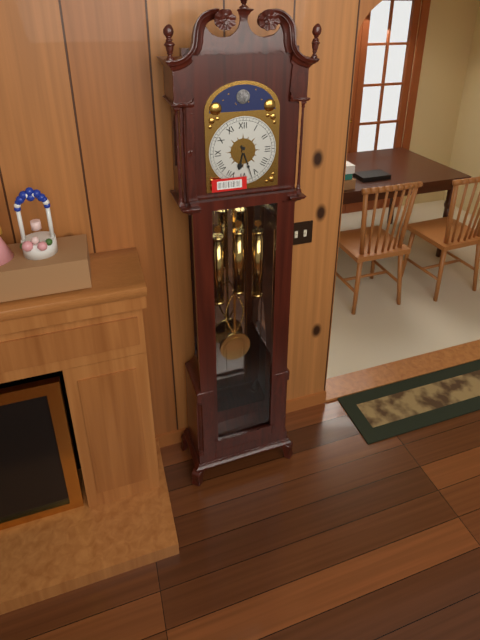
6.27
